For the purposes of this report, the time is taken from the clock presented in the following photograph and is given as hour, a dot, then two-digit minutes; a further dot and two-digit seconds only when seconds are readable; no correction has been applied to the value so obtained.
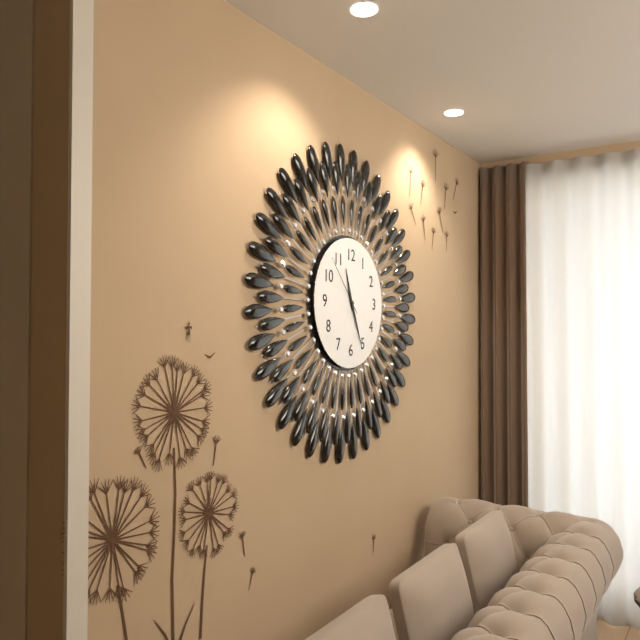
11.26.53
